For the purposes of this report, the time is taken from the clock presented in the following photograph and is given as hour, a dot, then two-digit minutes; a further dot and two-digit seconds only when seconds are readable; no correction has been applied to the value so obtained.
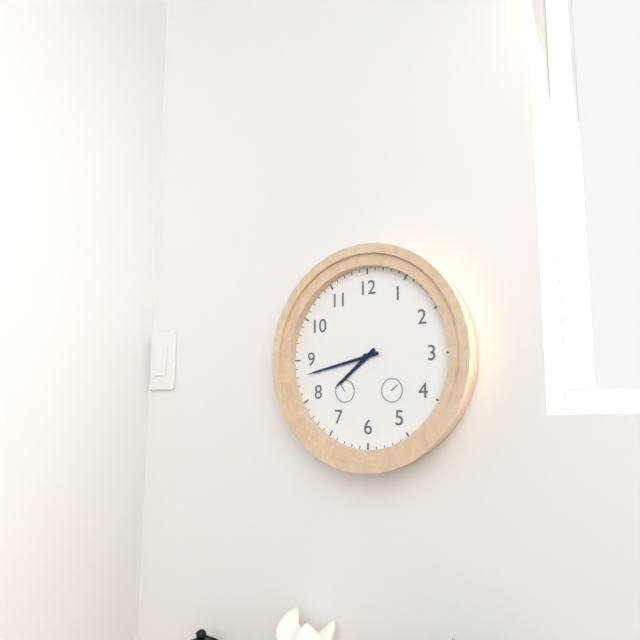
7.43
